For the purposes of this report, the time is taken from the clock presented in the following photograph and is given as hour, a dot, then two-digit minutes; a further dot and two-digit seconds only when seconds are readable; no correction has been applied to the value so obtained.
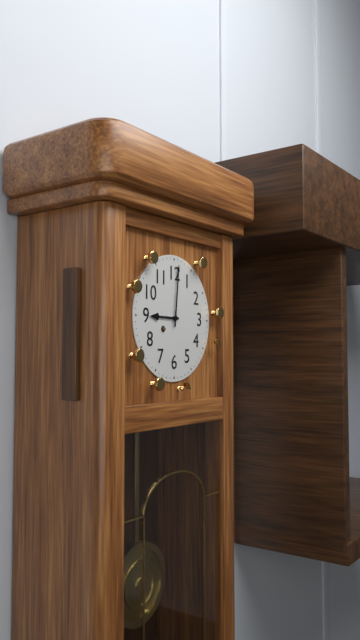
9.01
